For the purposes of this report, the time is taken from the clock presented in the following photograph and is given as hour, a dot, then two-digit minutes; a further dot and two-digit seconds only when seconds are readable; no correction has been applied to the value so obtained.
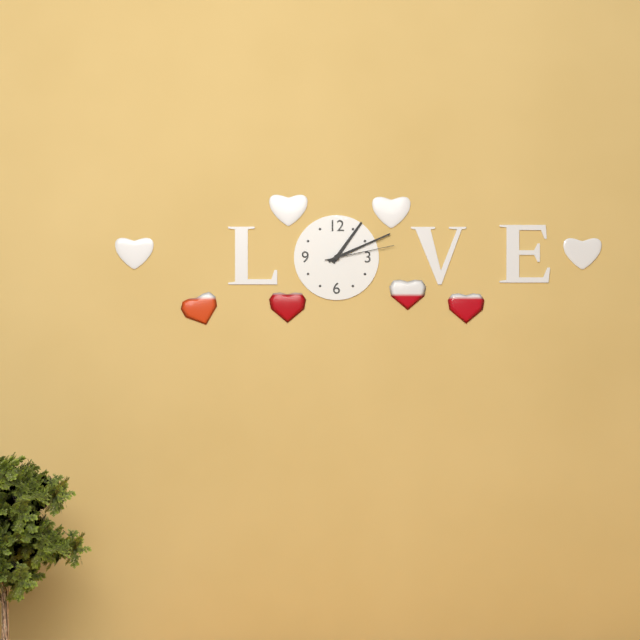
1.11.13
